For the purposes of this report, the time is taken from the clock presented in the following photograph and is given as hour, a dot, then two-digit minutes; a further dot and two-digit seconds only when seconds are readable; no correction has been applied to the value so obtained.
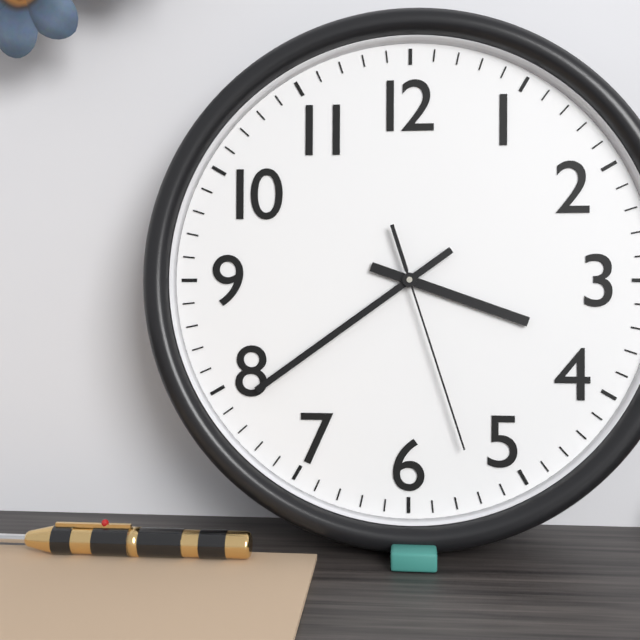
3.39.27
